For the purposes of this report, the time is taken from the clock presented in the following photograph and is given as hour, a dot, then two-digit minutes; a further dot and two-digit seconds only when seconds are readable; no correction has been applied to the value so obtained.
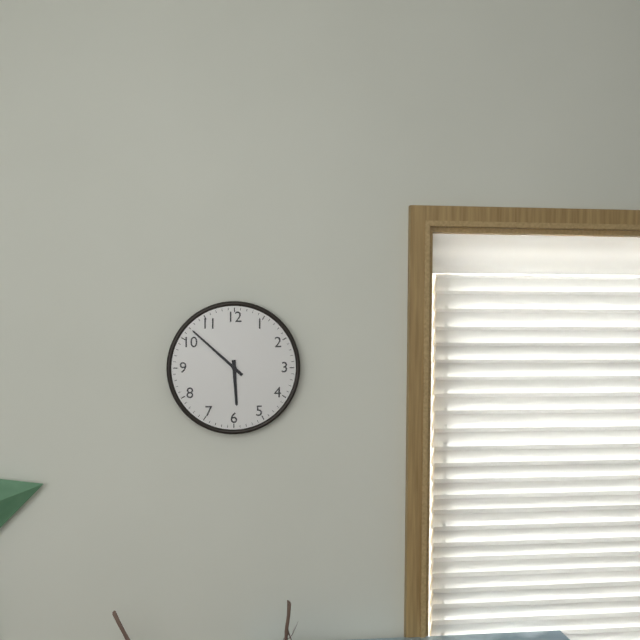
5.52
